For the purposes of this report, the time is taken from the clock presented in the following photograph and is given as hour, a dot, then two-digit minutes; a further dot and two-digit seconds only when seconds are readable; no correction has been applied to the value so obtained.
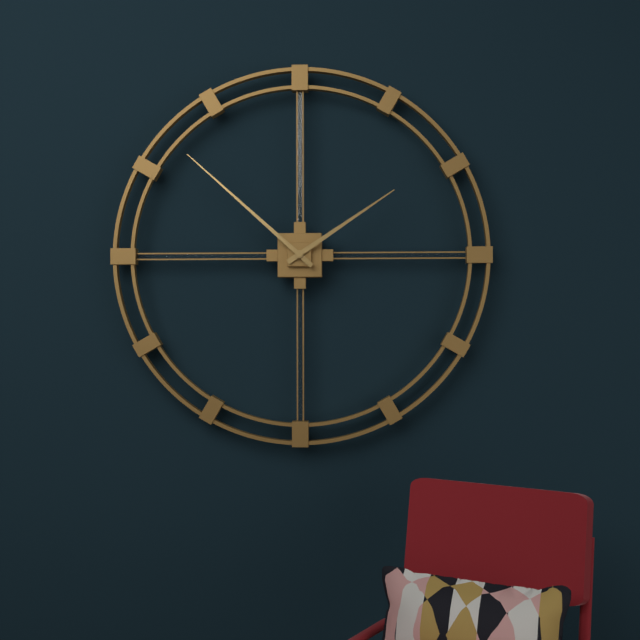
1.52
